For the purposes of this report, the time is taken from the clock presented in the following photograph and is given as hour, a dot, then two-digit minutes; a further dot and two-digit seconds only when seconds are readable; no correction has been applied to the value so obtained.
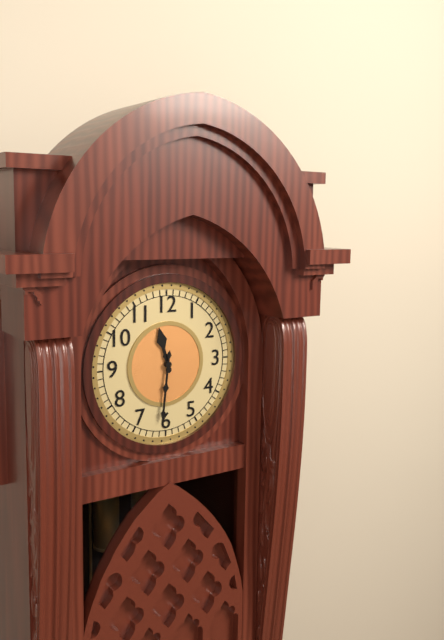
11.31
